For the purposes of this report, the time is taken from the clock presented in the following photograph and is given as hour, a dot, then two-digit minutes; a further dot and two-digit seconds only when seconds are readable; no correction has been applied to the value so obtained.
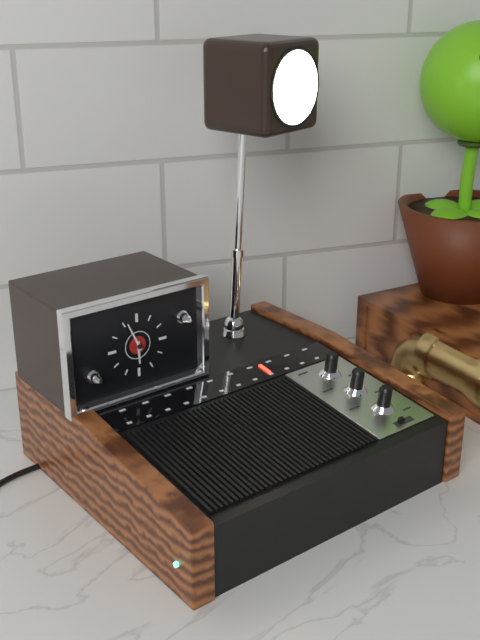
5.56
